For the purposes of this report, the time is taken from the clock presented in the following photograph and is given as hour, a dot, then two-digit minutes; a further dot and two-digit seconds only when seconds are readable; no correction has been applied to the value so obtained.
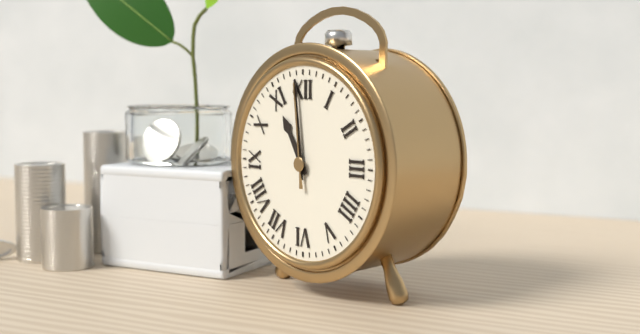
10.59.59
